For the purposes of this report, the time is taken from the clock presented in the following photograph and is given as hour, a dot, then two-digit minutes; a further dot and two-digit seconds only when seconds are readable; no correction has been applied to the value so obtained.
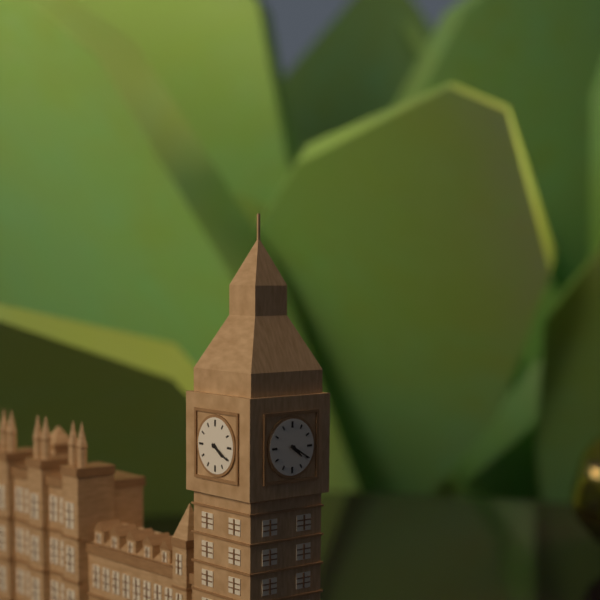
4.20
